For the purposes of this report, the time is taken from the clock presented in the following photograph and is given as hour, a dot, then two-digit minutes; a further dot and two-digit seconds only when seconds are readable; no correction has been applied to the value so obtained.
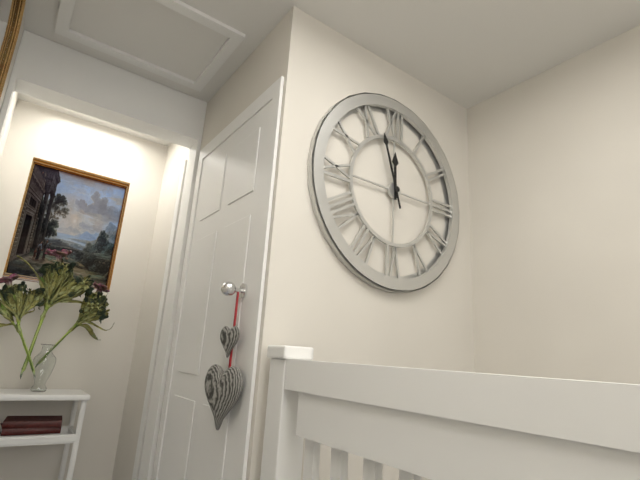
11.57
